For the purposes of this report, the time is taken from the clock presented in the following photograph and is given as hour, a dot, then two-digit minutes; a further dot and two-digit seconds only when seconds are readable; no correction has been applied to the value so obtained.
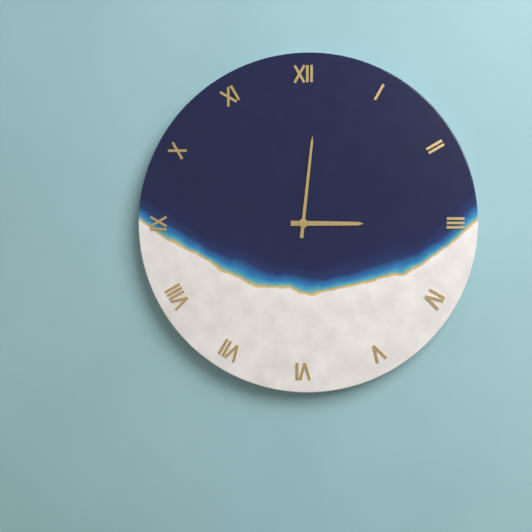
3.01
